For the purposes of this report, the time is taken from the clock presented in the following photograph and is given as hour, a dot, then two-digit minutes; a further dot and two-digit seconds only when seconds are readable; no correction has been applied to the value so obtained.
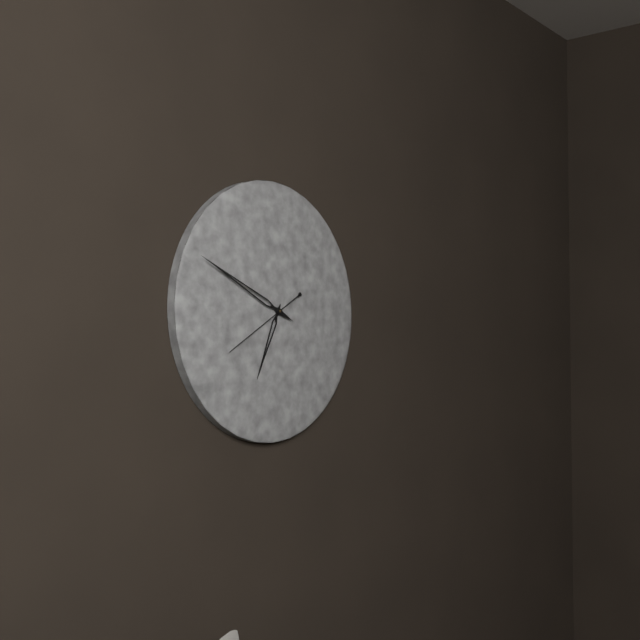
6.49.40
